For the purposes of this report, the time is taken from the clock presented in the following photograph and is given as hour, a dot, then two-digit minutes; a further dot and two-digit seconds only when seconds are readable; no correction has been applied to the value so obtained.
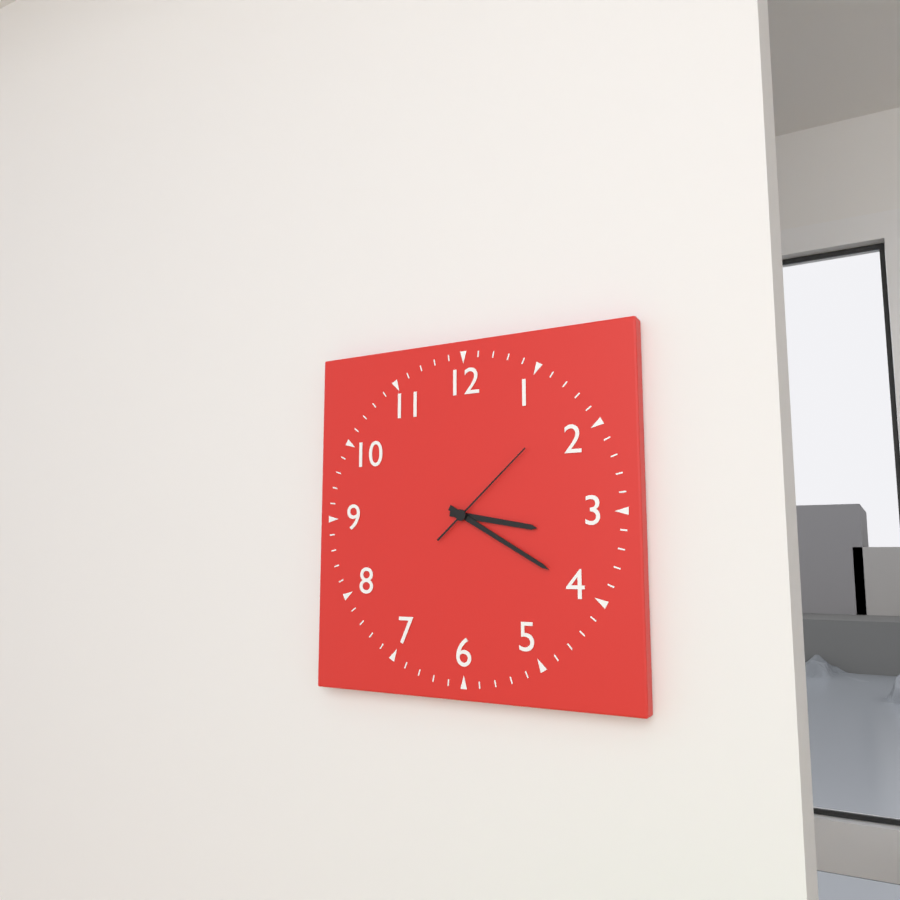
3.20.08
